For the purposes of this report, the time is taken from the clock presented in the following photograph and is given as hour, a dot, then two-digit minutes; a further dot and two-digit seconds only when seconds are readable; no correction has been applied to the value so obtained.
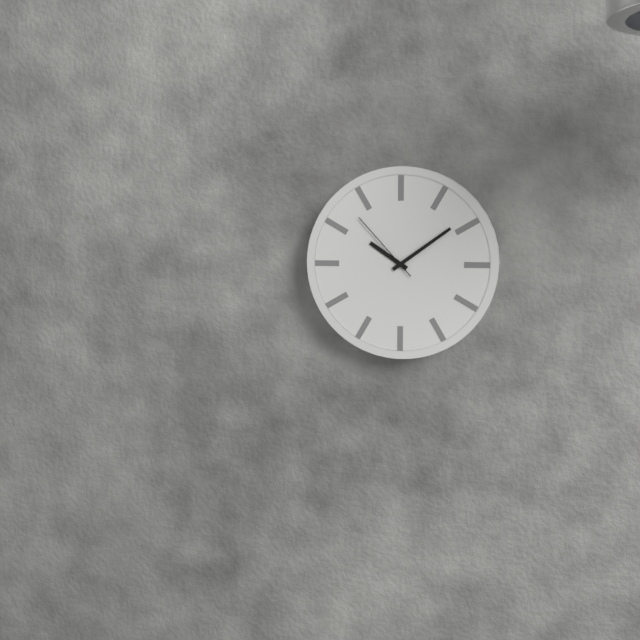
10.09.53
